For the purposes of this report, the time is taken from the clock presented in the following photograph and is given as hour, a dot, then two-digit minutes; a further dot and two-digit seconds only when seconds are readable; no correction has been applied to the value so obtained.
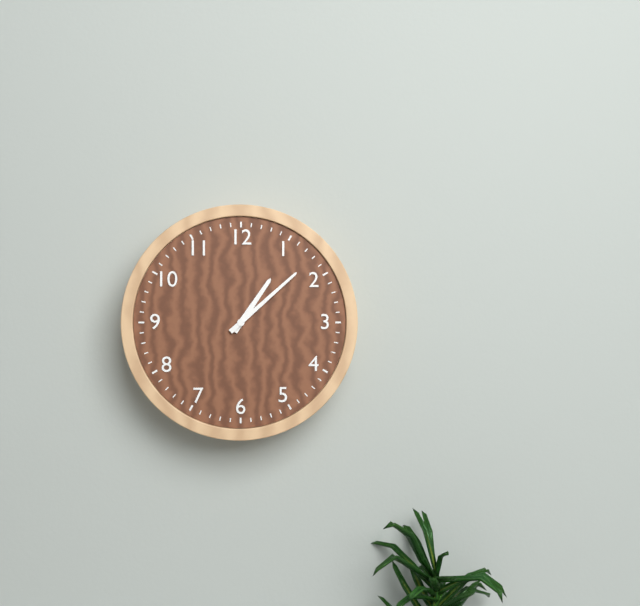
1.08
